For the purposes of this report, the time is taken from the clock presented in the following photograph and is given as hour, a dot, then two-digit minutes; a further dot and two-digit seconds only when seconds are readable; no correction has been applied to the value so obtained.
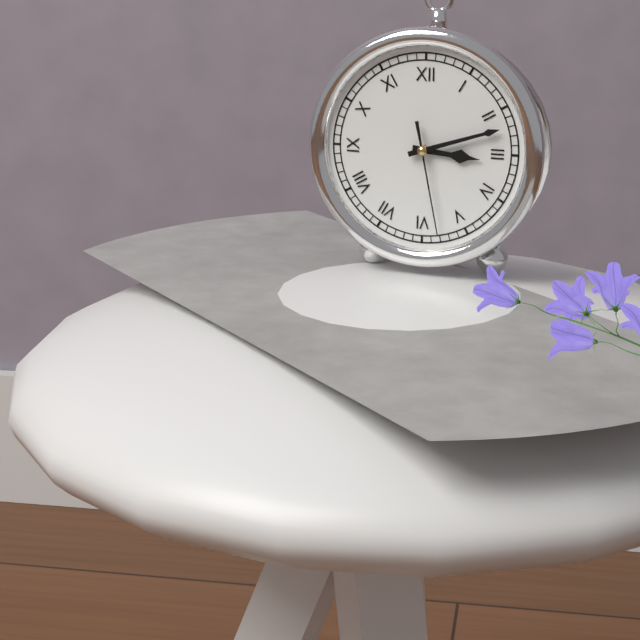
3.12.28
